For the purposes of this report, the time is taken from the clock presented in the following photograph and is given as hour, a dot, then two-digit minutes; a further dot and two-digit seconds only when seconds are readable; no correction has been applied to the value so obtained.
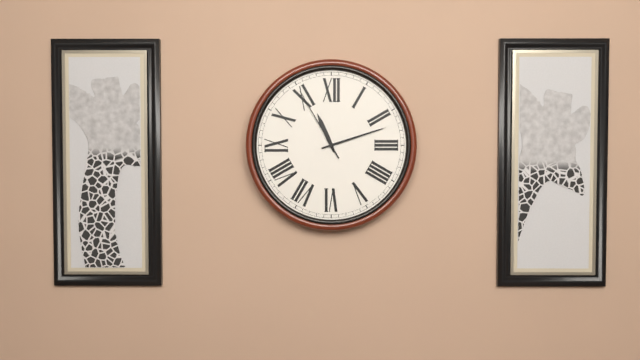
11.12.55
